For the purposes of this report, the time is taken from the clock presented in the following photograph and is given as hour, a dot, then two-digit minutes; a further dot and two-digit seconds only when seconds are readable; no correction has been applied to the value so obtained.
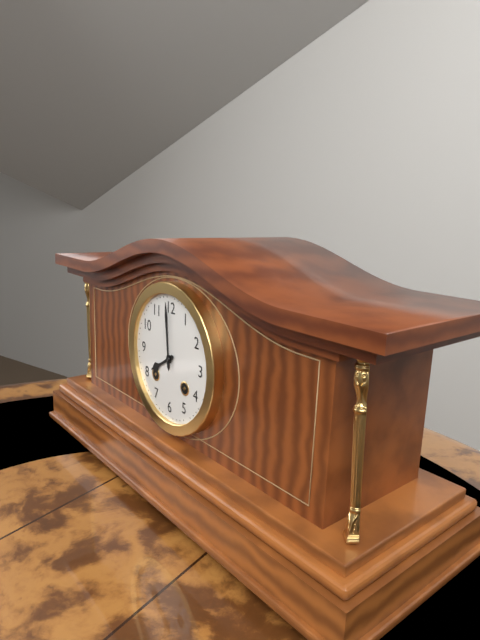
7.59
